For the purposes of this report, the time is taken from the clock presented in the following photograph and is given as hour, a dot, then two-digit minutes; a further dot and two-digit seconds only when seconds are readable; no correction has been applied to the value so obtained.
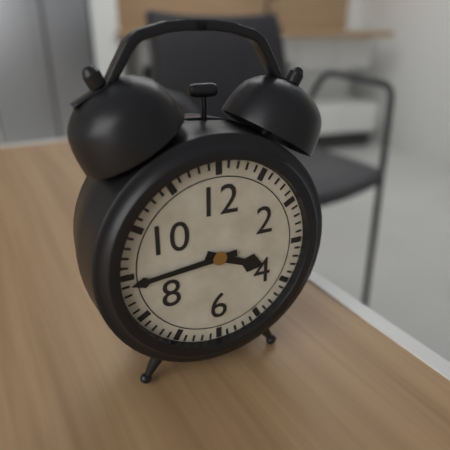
3.44
